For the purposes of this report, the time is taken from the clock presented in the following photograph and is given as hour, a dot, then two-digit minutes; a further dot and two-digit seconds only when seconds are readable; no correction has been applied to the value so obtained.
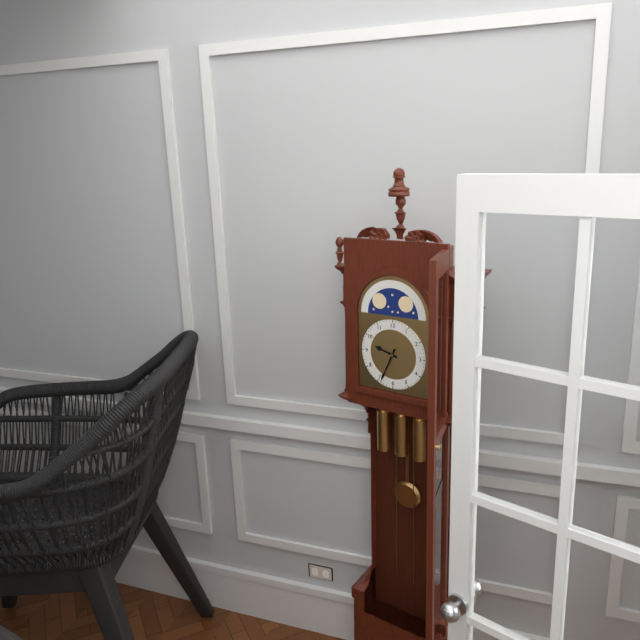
9.34
